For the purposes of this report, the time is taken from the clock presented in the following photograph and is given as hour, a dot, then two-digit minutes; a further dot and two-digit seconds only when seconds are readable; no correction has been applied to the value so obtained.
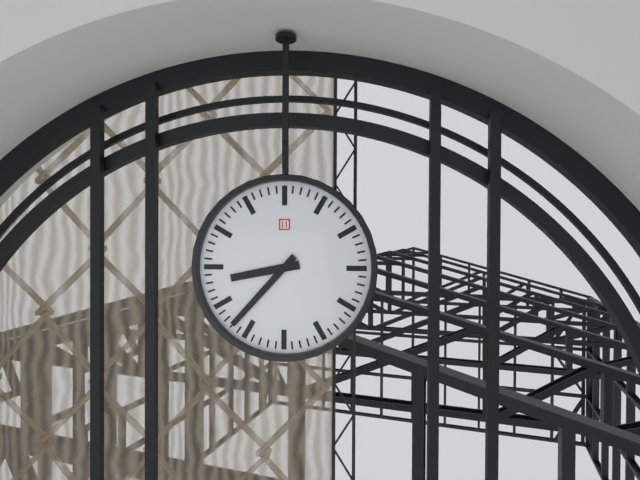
8.37
